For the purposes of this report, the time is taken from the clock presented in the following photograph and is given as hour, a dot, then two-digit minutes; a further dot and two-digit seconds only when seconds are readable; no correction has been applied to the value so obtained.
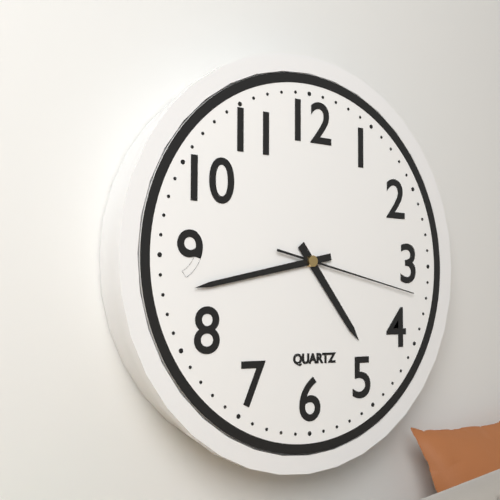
4.43.17
